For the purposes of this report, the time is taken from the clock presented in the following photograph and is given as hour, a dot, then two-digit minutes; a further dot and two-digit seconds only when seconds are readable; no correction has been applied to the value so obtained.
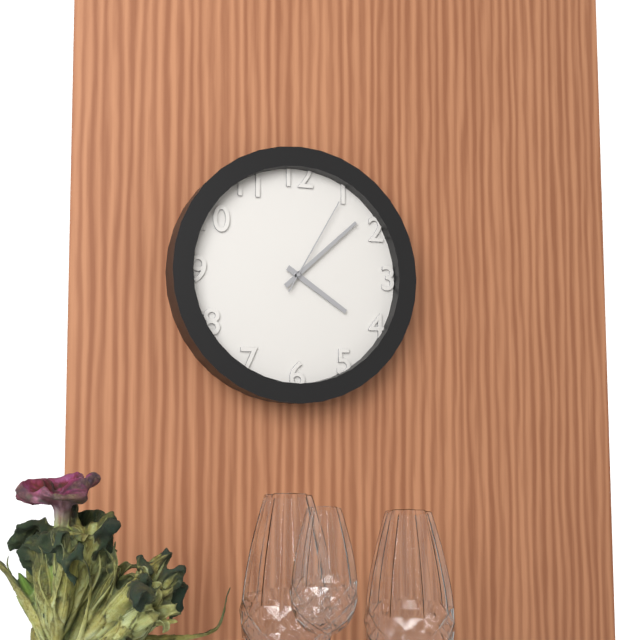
4.08.05
